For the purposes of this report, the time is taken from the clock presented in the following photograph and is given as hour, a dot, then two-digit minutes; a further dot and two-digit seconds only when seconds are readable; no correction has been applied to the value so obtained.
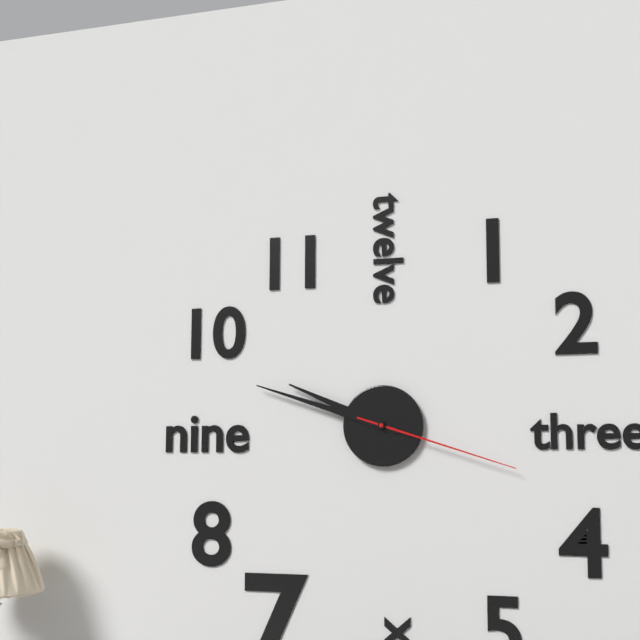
9.48.18
